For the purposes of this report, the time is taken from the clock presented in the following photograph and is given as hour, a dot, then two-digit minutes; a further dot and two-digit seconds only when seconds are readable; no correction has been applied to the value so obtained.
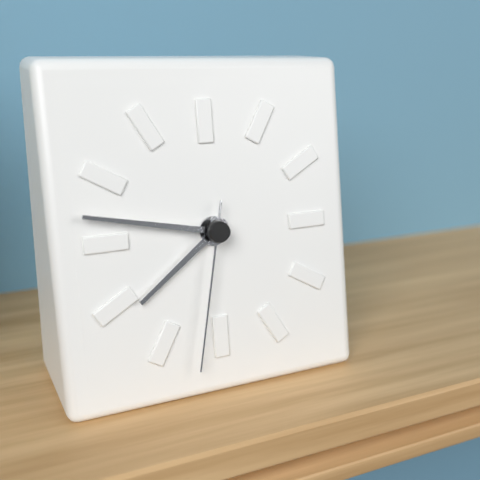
7.47.32
